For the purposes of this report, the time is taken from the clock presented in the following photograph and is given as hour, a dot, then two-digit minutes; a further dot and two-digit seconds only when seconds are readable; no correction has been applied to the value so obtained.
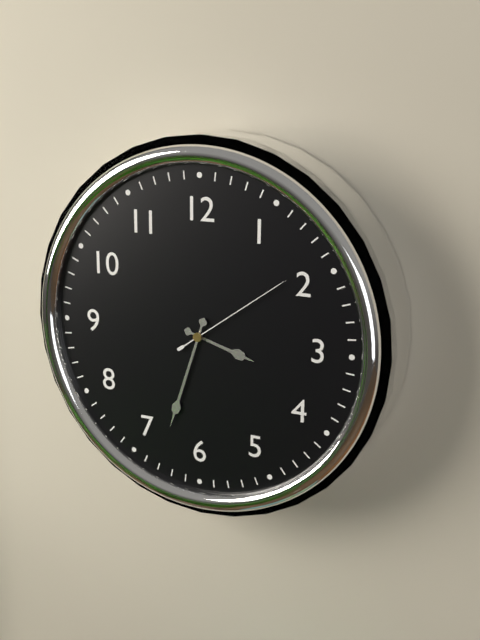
3.33.09
